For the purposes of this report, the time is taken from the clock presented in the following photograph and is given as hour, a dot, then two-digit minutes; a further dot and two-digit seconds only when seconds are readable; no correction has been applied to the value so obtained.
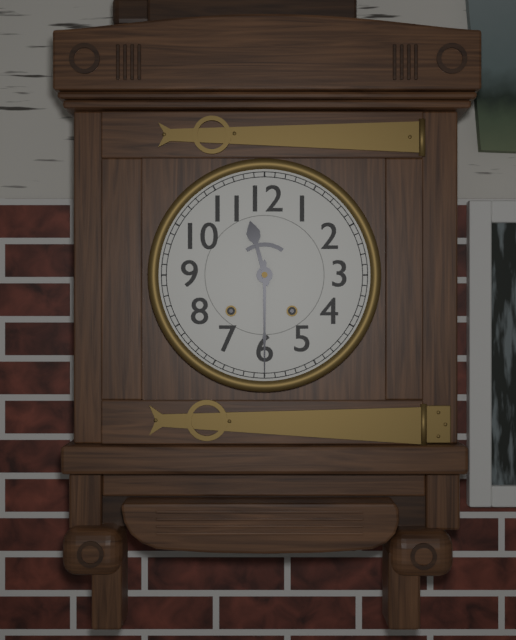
11.30
